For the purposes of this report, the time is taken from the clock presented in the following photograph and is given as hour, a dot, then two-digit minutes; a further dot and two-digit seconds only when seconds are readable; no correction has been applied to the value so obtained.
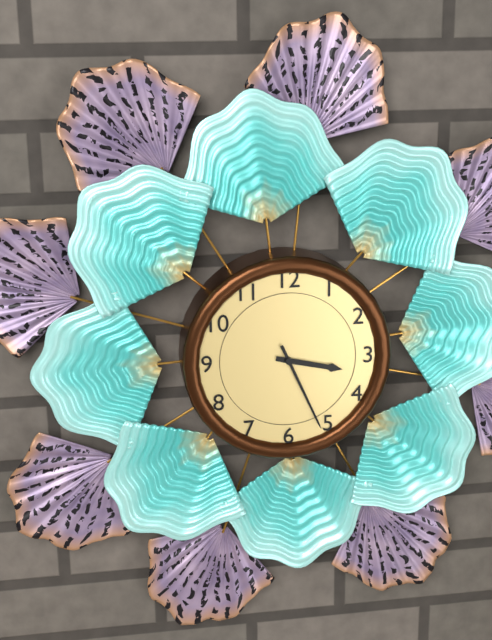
3.26
